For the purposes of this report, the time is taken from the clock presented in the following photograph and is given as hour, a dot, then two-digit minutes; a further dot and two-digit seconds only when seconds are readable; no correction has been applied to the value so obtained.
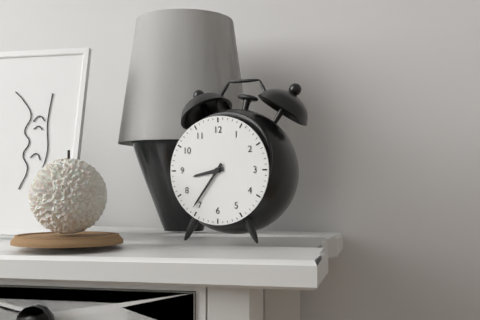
8.36
